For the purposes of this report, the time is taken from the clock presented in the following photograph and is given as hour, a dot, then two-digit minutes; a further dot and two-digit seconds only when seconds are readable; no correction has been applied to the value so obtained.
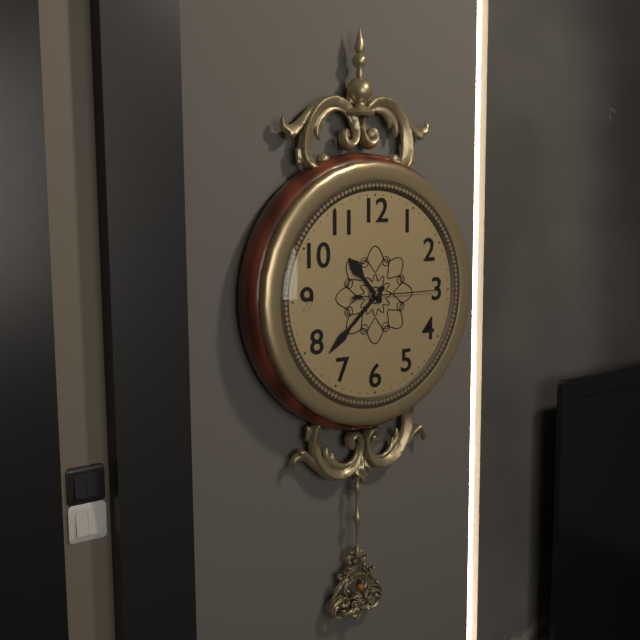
10.38.15
